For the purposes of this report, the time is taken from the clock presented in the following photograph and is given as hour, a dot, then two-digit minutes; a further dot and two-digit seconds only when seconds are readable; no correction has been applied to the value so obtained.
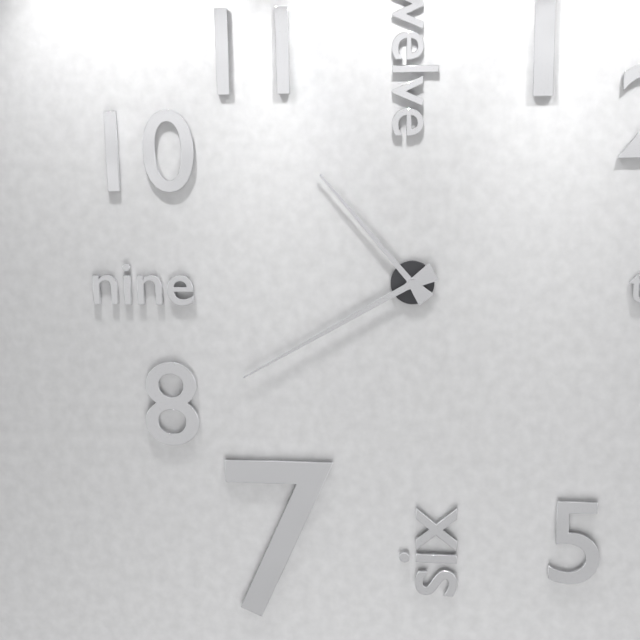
10.40
